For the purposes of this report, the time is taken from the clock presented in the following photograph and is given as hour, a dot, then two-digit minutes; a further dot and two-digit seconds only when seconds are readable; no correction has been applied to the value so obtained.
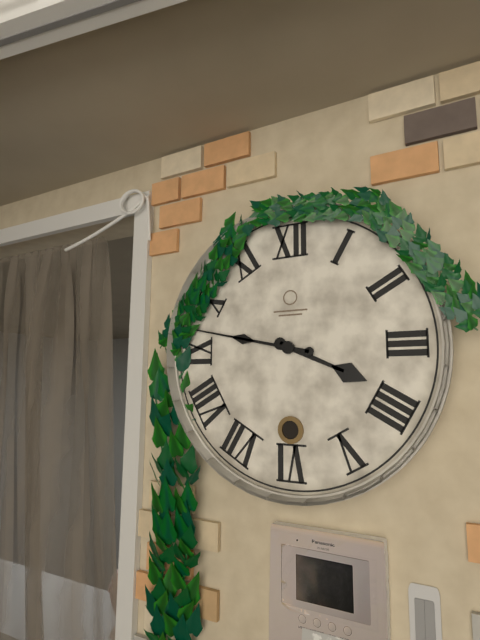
3.47
